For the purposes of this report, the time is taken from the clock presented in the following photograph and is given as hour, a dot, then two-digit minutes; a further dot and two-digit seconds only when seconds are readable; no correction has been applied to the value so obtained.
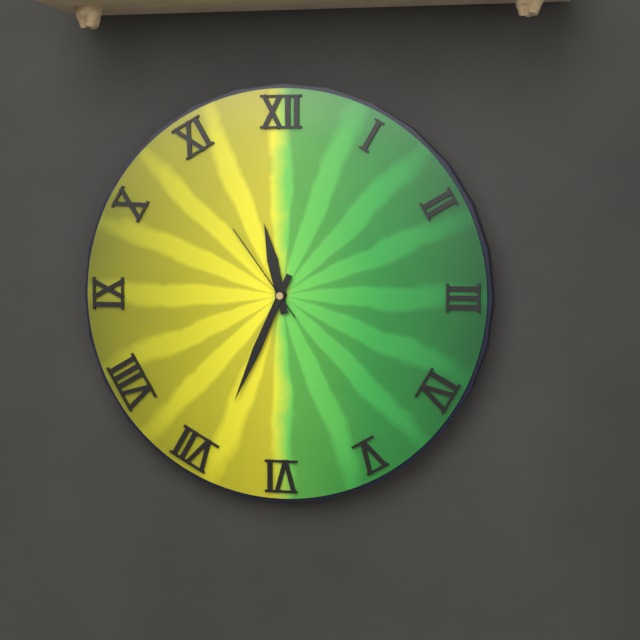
11.34.54
